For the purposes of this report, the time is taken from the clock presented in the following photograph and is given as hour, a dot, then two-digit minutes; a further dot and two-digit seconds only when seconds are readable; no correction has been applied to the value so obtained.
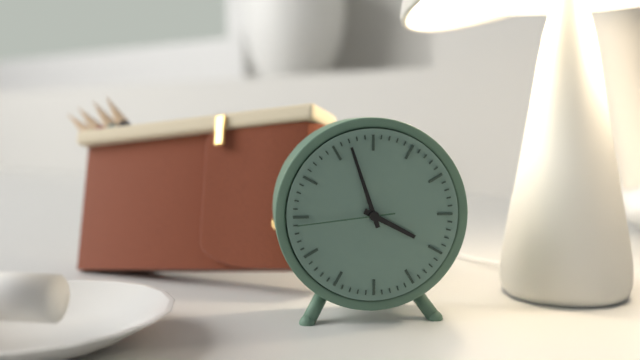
3.57.44
